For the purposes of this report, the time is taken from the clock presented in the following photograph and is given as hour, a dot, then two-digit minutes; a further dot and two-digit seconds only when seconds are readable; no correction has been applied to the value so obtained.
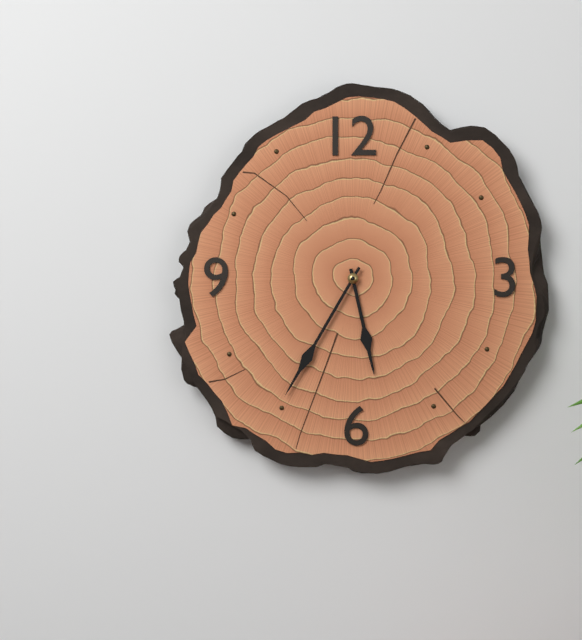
5.35
